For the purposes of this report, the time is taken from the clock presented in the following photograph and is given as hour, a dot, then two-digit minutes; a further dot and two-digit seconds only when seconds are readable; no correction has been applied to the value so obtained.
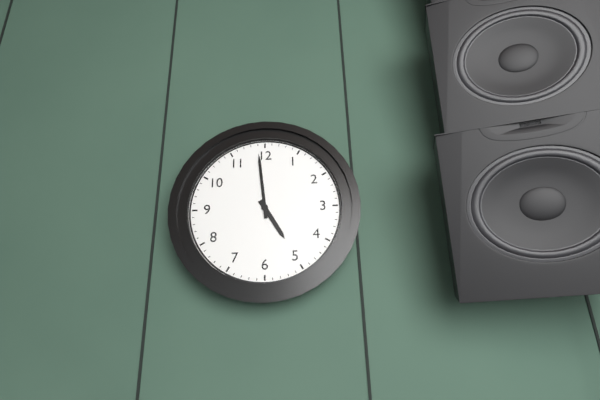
4.59
